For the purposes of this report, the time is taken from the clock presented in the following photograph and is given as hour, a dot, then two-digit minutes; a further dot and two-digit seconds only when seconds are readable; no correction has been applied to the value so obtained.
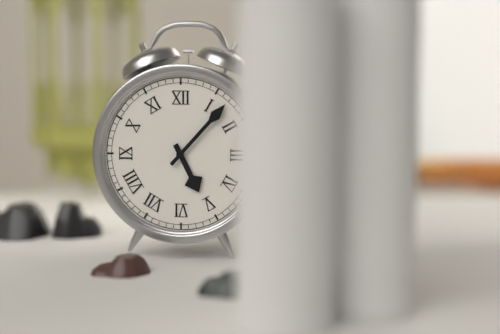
5.07
